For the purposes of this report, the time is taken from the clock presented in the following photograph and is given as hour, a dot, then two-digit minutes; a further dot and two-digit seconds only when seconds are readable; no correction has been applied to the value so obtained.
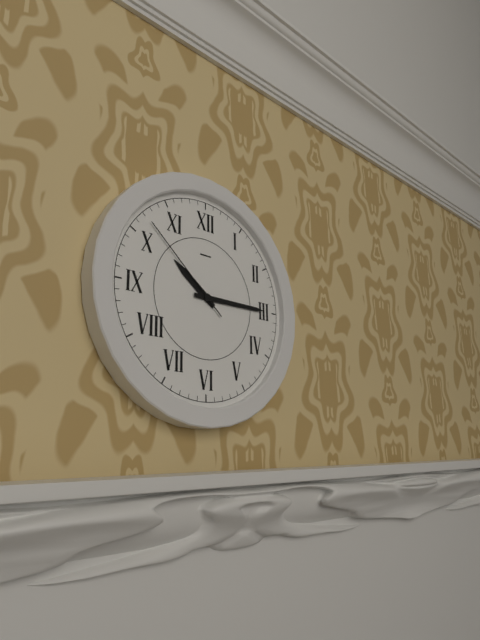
10.15.52
